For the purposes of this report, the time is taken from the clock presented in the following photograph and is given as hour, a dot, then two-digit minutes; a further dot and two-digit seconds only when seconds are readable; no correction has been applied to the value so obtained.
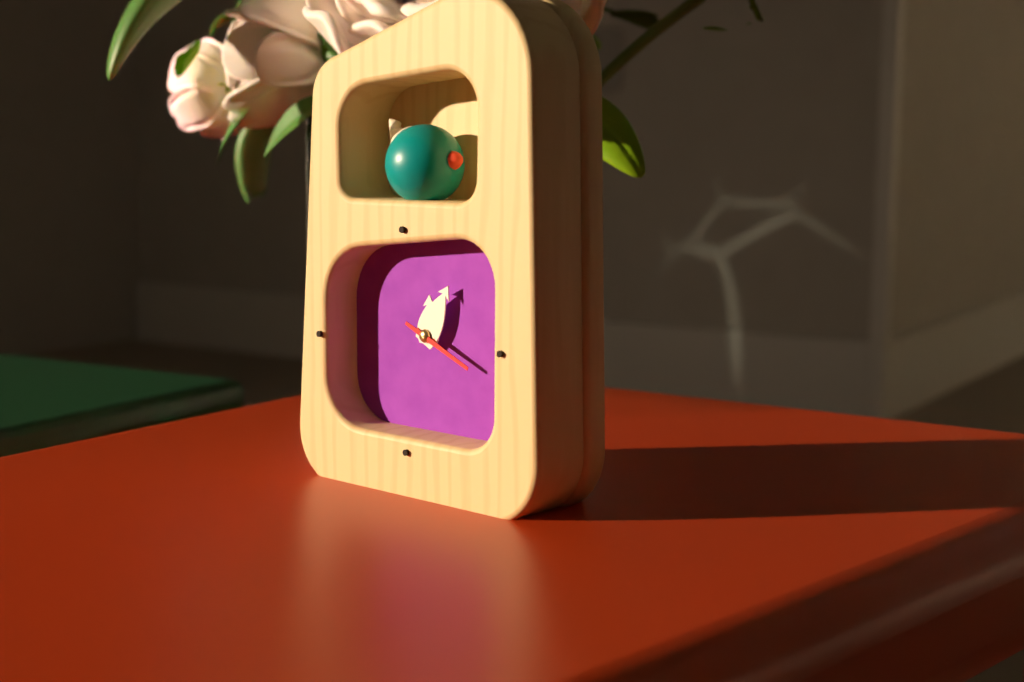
12.05.19
